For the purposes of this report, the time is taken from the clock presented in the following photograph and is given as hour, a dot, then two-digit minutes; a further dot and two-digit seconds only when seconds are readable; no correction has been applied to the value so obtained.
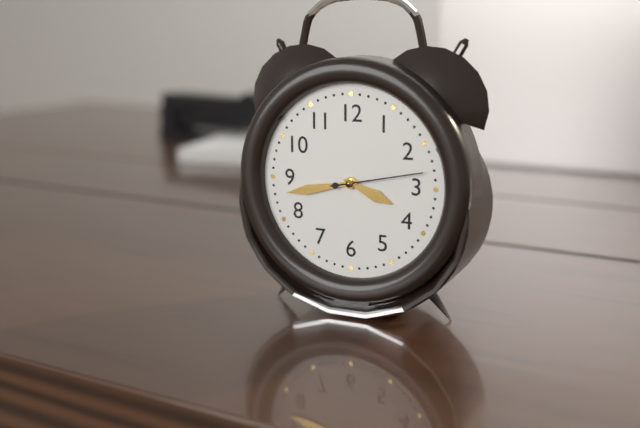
3.43.13
